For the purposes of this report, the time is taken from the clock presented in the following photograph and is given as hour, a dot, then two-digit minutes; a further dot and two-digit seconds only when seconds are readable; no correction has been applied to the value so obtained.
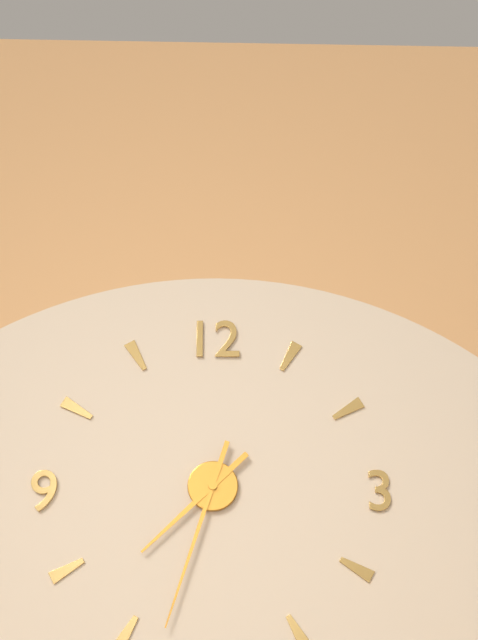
7.33
